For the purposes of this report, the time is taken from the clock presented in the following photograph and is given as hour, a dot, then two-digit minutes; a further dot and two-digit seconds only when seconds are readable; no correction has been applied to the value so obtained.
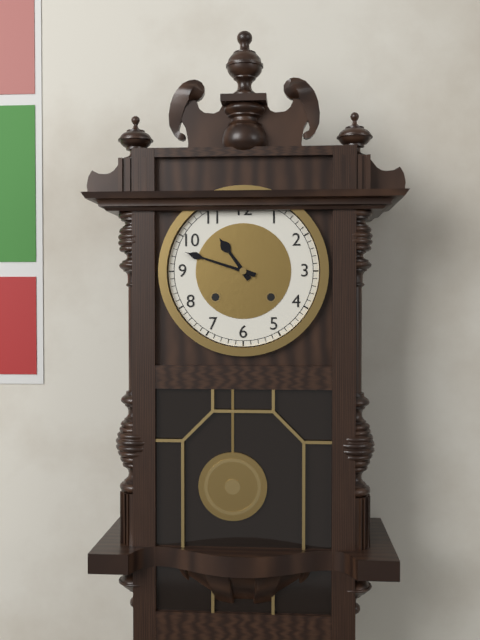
10.48
